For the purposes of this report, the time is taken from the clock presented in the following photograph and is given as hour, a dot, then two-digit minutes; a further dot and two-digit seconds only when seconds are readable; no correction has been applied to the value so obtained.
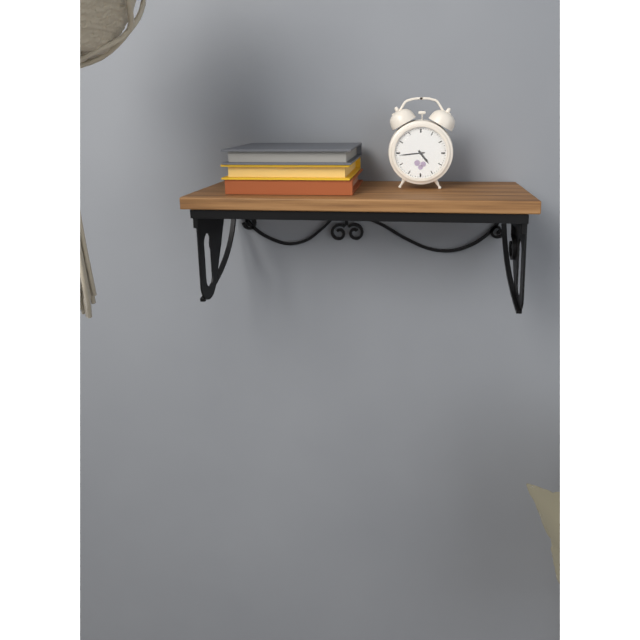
4.44
